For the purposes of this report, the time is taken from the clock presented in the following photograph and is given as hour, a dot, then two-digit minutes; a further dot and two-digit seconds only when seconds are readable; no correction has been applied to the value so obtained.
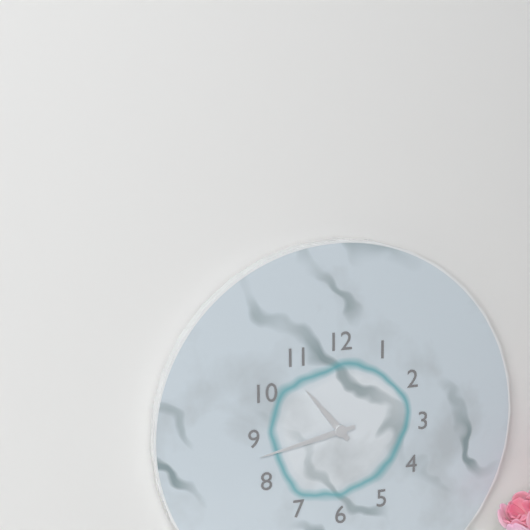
10.43
